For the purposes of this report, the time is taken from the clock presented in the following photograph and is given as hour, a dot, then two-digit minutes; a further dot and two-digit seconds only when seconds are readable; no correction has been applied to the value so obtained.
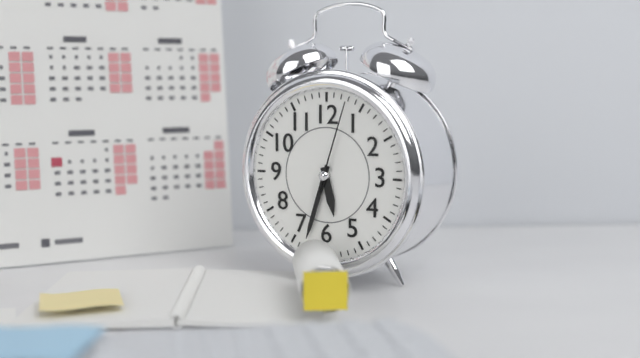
5.33.03
